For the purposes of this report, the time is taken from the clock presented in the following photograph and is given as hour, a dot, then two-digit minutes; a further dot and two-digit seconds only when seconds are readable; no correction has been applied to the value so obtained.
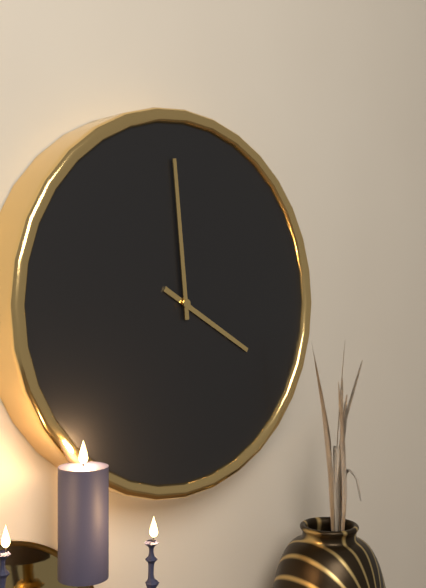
3.59
